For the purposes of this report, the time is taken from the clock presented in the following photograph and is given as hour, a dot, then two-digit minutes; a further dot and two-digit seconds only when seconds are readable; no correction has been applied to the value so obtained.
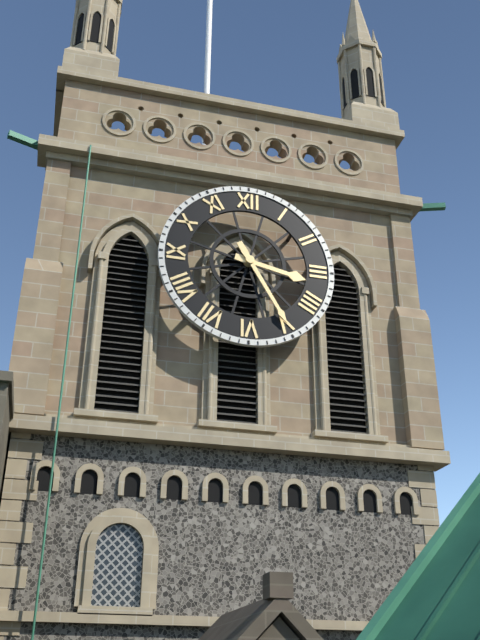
3.25
